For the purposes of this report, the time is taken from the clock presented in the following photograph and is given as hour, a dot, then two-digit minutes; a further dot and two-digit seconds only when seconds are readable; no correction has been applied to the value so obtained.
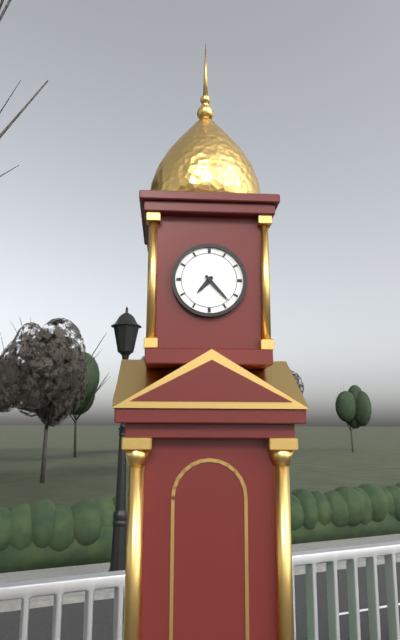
7.23
